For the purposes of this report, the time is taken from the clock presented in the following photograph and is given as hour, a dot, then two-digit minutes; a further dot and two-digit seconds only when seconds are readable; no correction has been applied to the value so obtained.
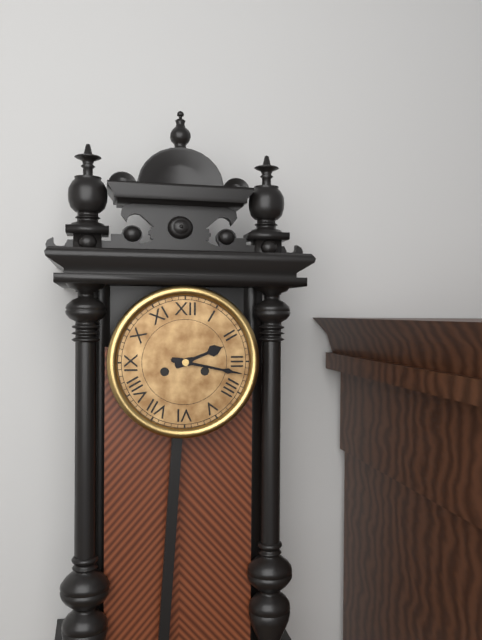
2.17
